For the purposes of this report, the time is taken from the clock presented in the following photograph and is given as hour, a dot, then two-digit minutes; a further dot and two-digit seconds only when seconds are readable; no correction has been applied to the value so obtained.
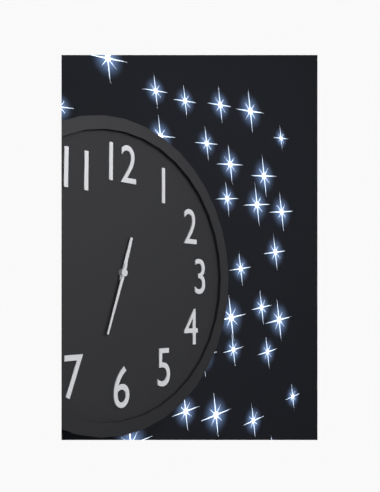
12.33
